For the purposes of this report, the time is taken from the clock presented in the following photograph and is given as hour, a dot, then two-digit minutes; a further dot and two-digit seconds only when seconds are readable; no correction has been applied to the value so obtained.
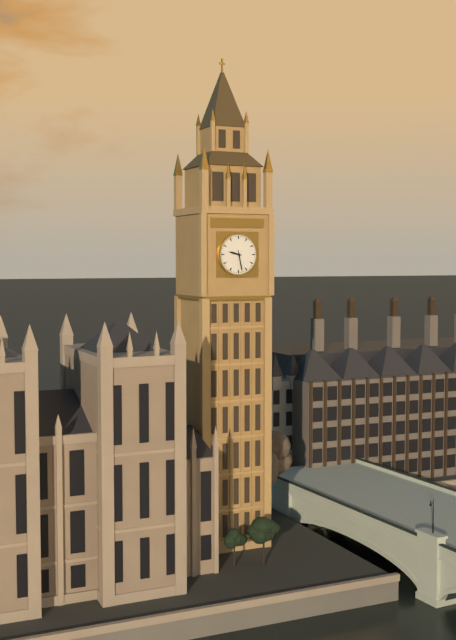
9.28
